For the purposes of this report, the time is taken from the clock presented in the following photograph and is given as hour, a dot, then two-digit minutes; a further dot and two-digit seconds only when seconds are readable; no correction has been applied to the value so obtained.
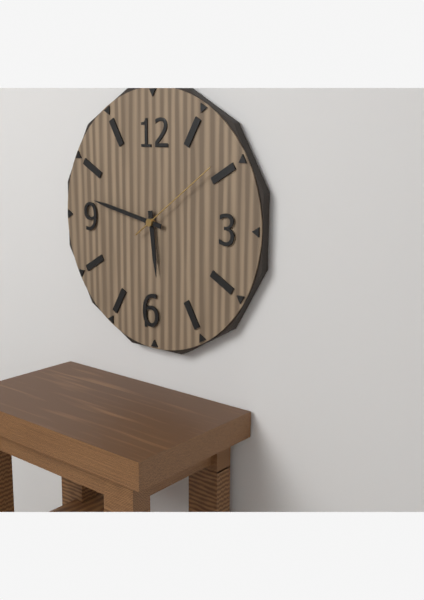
5.47.09
